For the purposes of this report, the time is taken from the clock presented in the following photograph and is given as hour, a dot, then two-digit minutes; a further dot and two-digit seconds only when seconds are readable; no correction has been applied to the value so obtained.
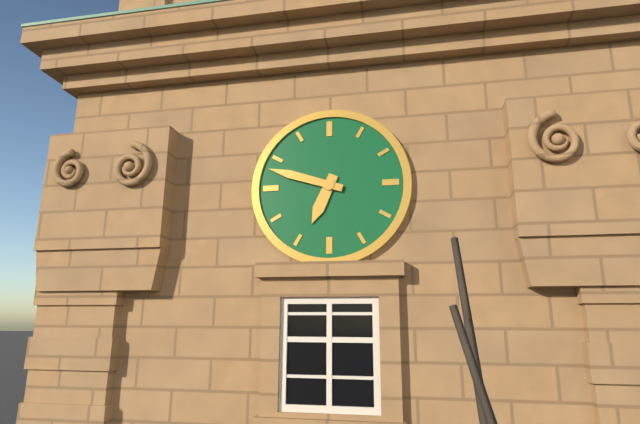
6.48
